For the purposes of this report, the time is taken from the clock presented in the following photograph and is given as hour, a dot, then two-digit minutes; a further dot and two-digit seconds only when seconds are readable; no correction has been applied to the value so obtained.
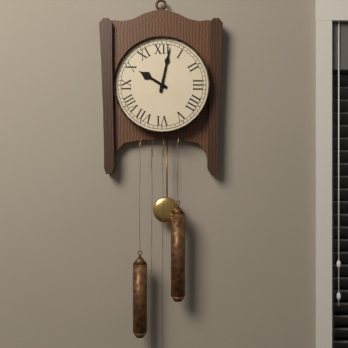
10.02
